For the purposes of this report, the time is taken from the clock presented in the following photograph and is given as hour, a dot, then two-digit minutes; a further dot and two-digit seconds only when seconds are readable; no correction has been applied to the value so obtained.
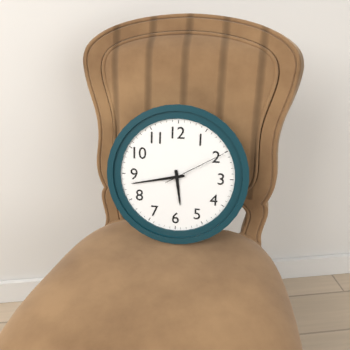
5.43.10
